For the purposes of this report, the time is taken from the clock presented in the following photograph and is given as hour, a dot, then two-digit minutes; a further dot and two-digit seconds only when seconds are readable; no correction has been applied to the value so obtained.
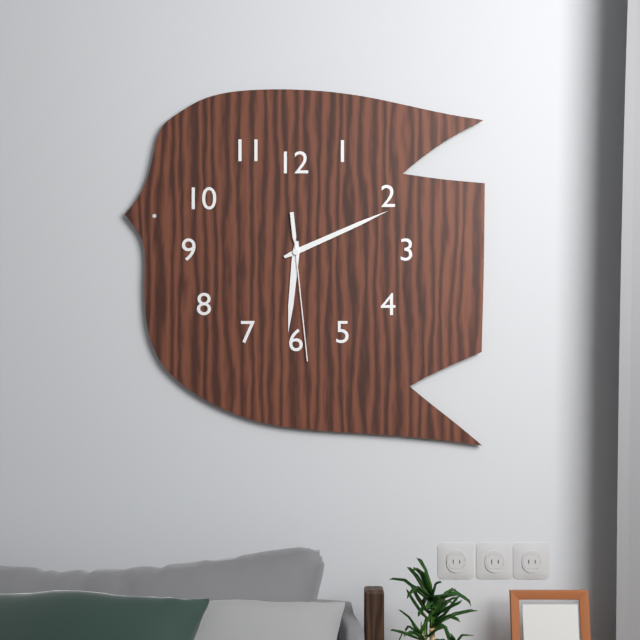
6.11.29
